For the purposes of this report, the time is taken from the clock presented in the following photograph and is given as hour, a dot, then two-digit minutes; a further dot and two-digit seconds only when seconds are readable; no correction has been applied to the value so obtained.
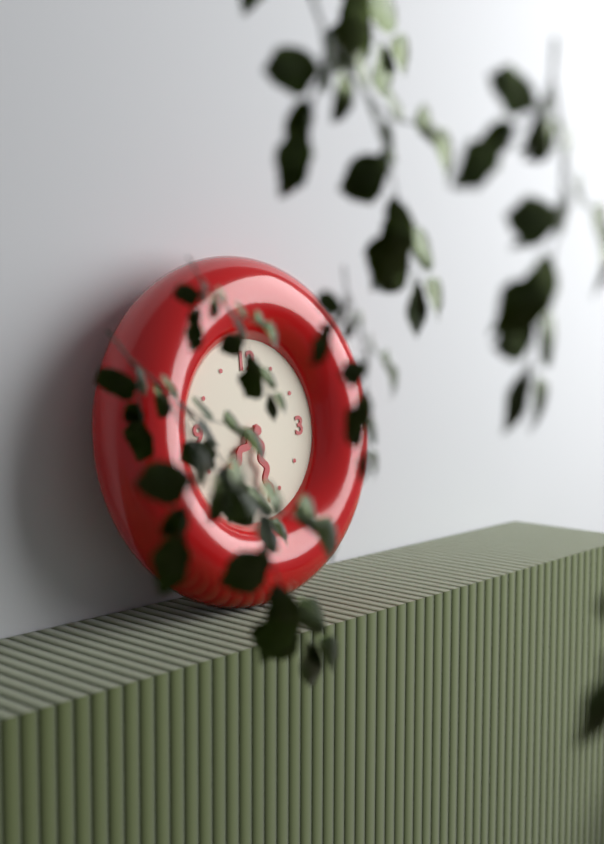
7.28
